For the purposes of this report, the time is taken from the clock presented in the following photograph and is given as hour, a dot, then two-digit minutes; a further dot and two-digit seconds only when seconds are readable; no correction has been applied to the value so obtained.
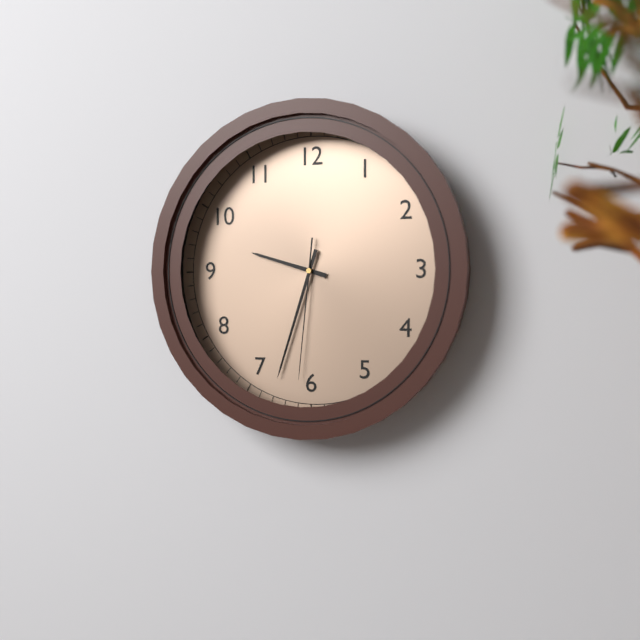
9.33.31
